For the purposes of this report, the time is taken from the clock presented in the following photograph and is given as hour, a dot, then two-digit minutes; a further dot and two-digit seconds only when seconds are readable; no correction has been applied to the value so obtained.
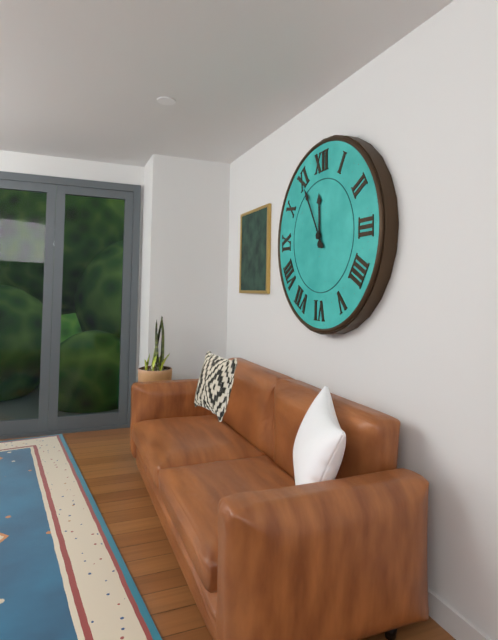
11.55
